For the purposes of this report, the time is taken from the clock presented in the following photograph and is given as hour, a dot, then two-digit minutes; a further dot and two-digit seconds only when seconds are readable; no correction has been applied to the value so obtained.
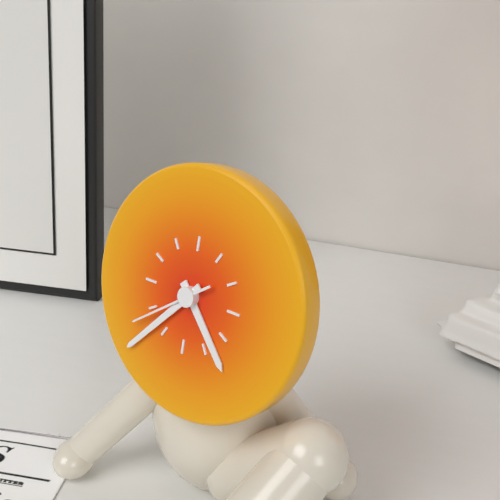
4.37.39
